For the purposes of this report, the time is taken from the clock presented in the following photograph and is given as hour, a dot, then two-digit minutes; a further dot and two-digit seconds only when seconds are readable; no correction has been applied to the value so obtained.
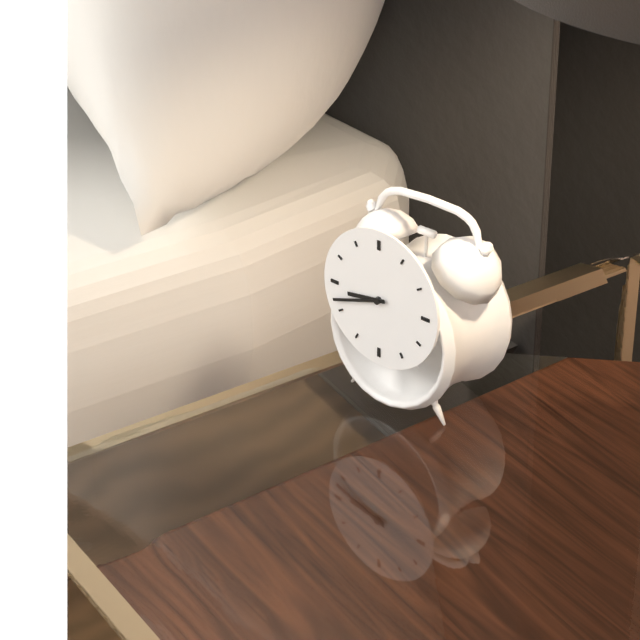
8.42
